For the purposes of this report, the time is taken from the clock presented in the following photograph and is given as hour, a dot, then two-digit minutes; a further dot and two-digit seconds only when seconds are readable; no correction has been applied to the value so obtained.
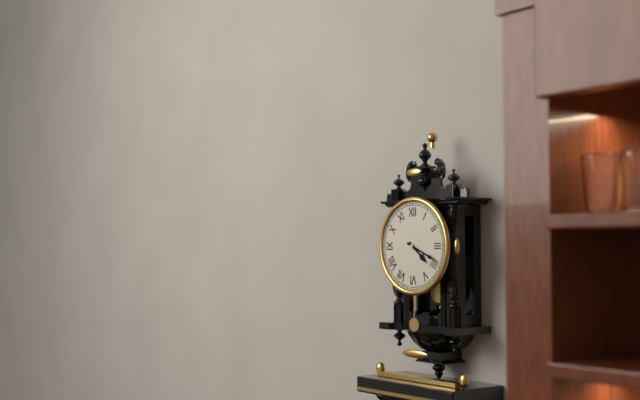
4.19
